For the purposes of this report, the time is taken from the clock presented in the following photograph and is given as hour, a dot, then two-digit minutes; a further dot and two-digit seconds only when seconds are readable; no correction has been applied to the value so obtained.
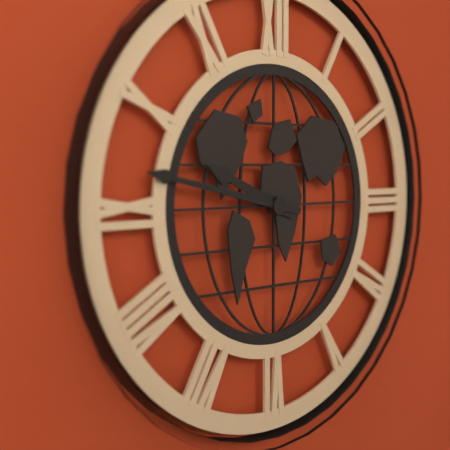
9.47
